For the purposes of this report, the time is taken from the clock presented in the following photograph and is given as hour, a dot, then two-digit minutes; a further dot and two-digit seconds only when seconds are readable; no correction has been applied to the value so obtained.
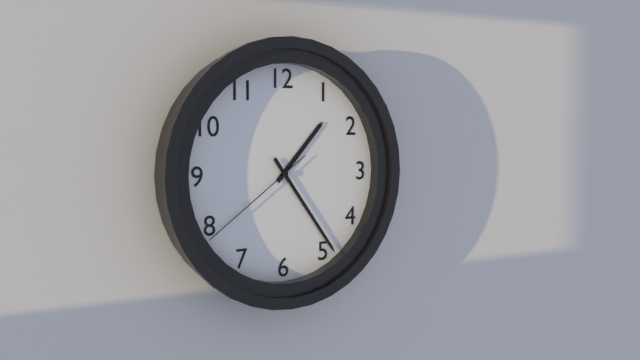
1.24.39
